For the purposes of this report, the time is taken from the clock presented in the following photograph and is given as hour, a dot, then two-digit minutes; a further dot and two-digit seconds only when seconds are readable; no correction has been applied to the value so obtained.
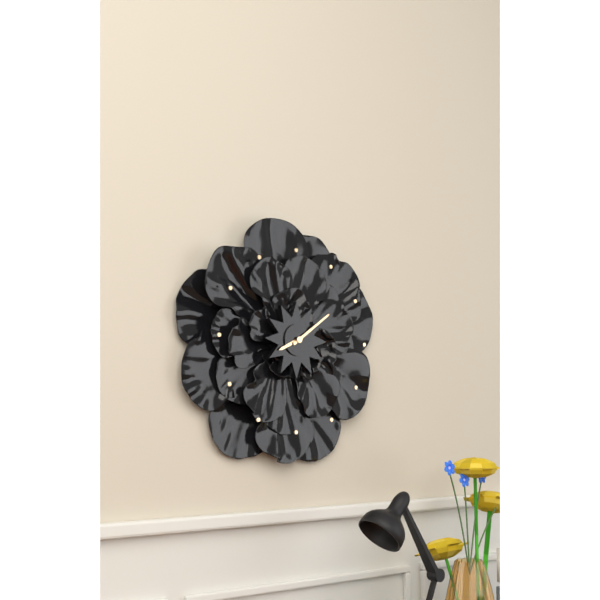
8.09
